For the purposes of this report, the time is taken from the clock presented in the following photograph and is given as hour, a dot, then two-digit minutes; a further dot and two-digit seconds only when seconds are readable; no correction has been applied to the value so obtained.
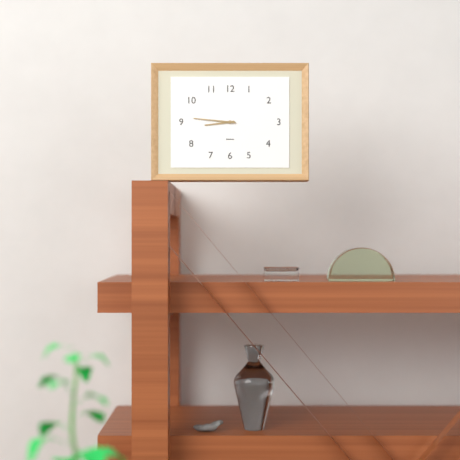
8.46
